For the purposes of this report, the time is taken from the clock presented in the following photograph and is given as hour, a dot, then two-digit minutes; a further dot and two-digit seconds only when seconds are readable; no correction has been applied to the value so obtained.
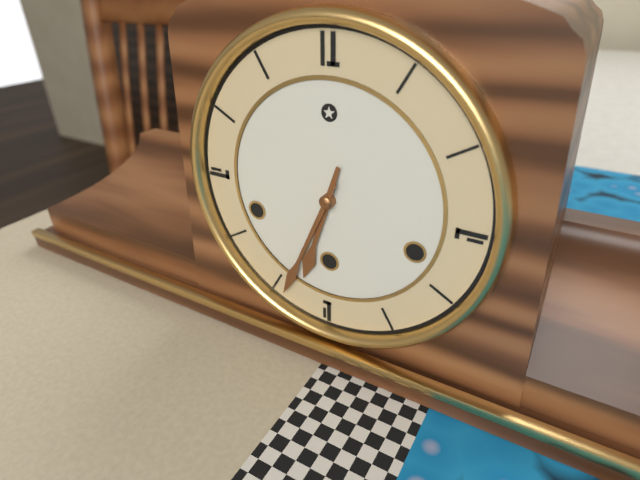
6.34
